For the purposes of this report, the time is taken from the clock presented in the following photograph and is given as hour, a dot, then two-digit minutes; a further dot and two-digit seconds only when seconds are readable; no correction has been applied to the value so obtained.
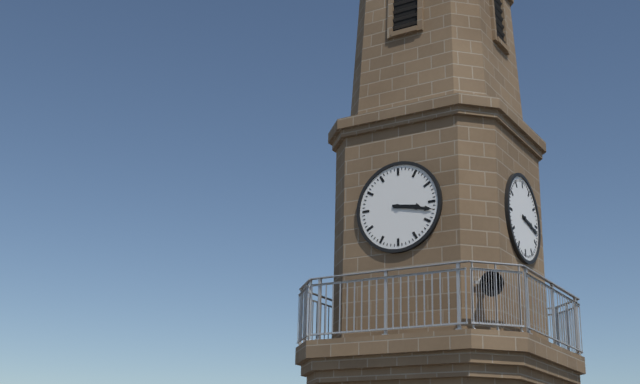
3.17
